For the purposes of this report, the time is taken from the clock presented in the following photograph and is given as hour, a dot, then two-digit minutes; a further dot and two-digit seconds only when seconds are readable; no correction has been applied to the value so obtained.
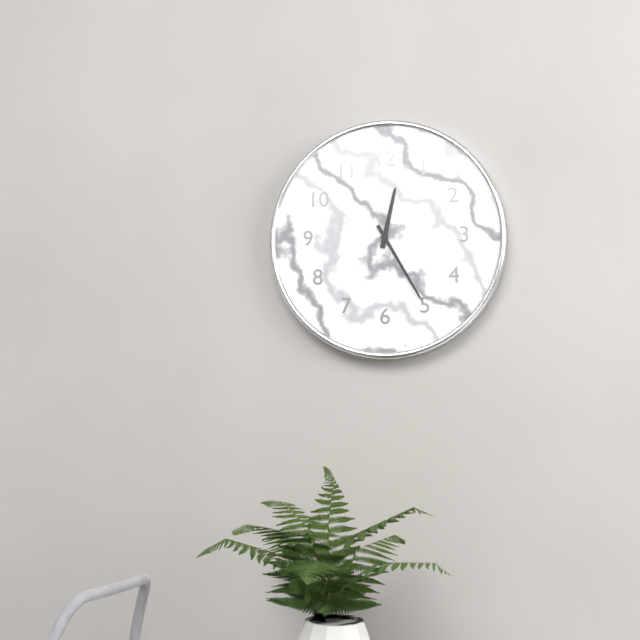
12.25
